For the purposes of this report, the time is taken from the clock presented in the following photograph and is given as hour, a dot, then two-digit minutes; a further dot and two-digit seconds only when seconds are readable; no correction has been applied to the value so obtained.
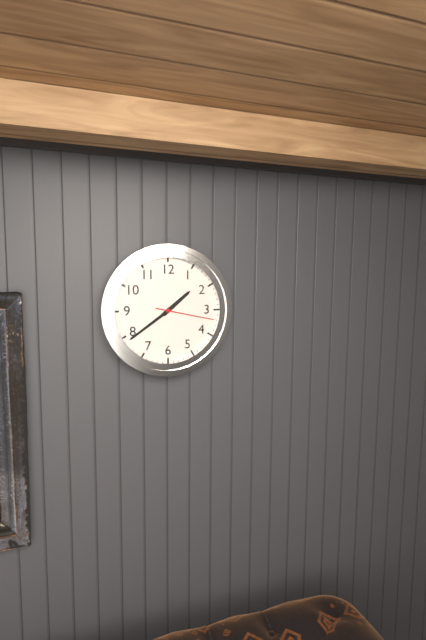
1.39.17
